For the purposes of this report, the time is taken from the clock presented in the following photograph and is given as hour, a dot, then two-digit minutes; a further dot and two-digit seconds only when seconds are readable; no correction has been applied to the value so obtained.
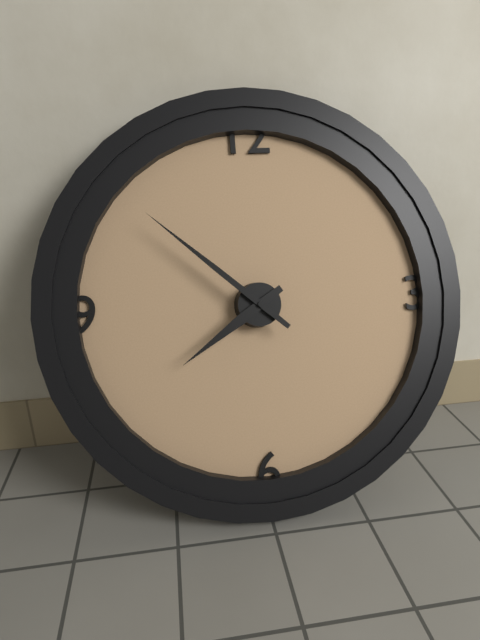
7.52
